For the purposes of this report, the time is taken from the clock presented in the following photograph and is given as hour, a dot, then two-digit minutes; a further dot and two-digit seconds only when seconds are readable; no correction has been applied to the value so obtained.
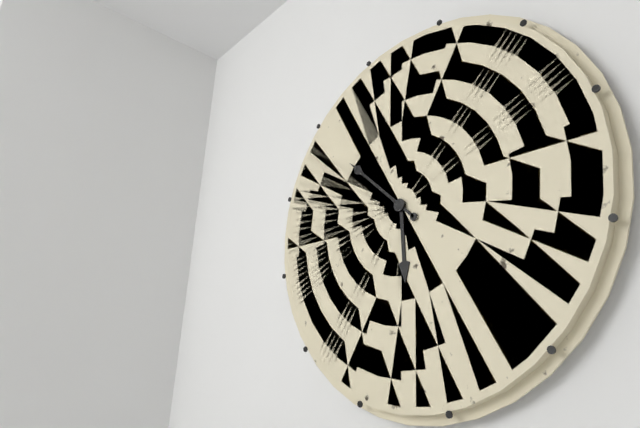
5.52
